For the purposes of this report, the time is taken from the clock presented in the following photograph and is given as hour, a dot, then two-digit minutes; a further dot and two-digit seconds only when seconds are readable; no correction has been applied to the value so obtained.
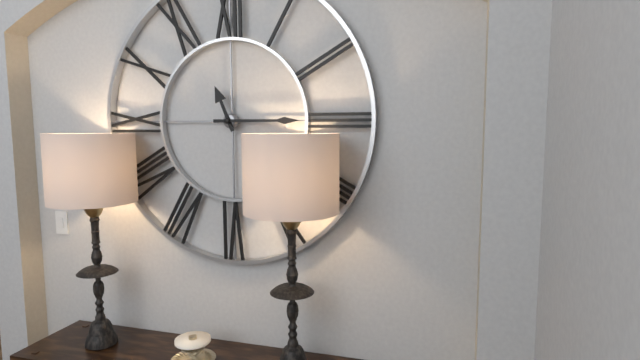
11.15
